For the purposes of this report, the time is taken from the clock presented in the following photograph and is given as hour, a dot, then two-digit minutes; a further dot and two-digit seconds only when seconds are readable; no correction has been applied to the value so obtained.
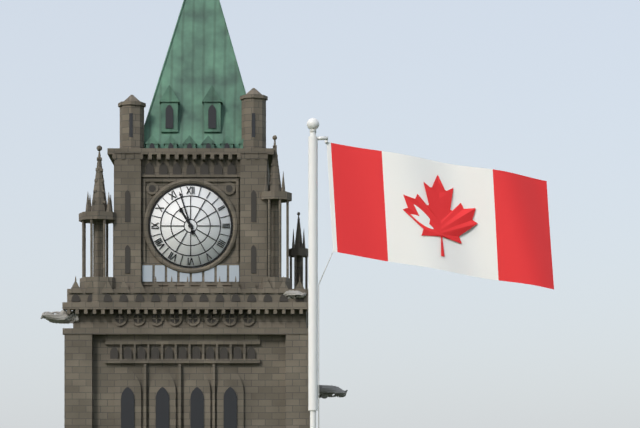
10.57
